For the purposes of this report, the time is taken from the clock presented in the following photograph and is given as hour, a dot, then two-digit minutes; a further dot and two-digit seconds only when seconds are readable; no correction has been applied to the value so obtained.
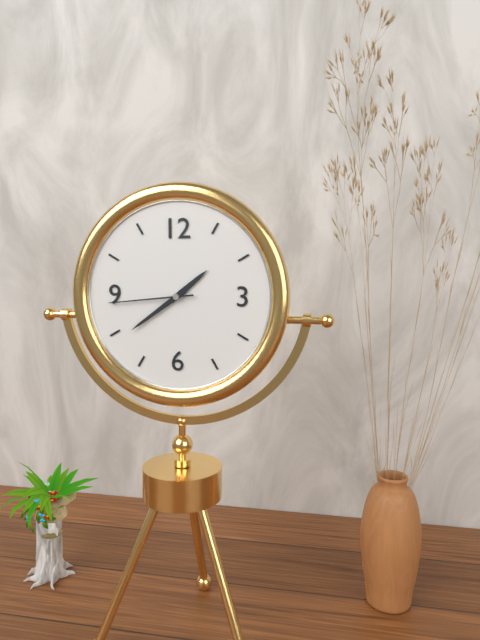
1.39.44
